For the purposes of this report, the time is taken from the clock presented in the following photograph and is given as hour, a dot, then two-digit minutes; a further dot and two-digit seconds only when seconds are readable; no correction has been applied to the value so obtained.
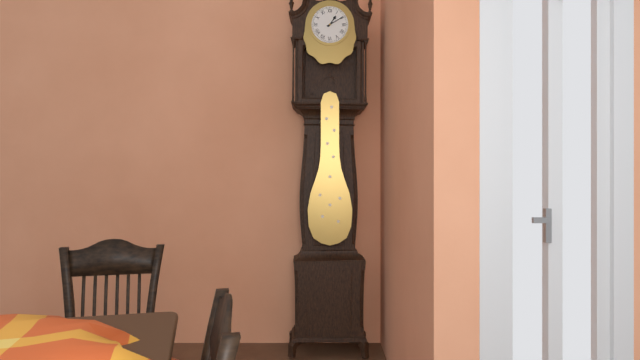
1.10
